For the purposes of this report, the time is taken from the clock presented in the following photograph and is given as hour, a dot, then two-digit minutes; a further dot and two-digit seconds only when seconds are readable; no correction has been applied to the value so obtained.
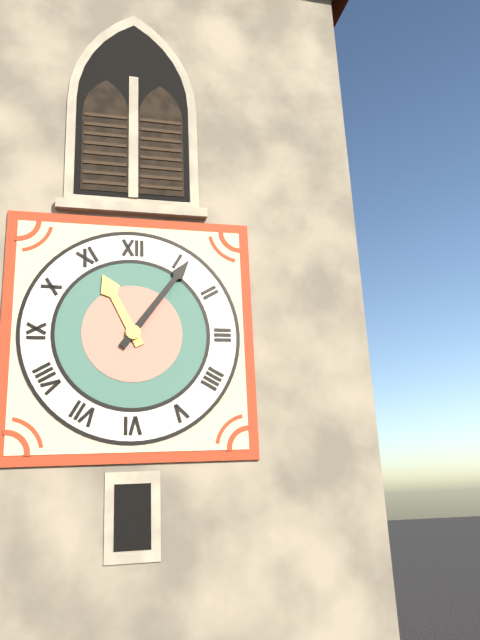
11.06
